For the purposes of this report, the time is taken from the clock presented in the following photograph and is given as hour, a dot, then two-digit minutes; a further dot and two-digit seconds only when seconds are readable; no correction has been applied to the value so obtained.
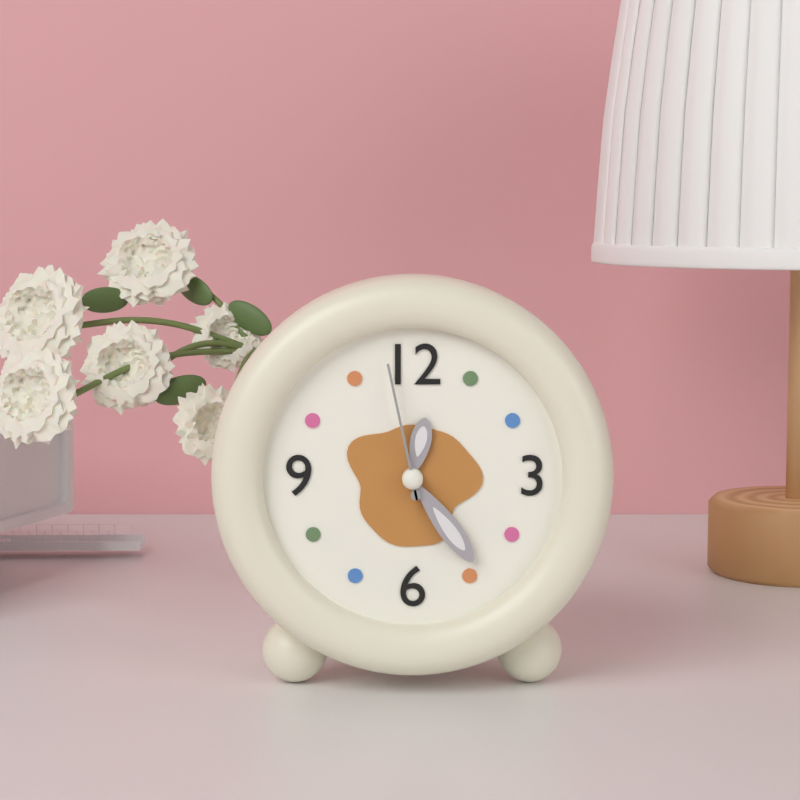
12.24.58
